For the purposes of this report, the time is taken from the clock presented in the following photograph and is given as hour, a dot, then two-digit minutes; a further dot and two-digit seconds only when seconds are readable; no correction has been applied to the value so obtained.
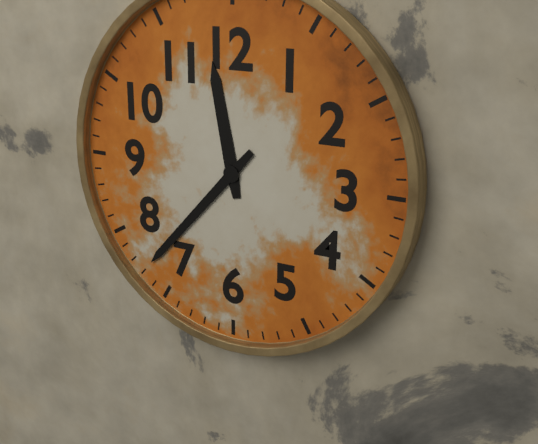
11.37
